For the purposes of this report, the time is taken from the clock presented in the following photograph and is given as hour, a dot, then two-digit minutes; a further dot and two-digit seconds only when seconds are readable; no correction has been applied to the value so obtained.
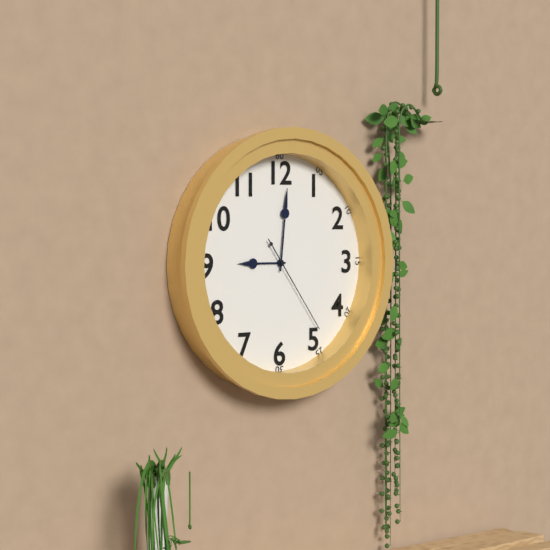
9.01.24
